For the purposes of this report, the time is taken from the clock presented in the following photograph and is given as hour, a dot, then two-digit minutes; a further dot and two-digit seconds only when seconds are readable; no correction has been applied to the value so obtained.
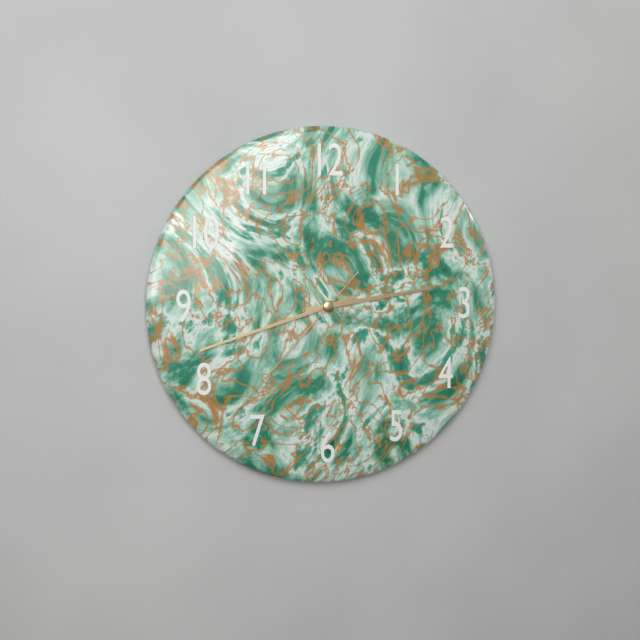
2.42.37
